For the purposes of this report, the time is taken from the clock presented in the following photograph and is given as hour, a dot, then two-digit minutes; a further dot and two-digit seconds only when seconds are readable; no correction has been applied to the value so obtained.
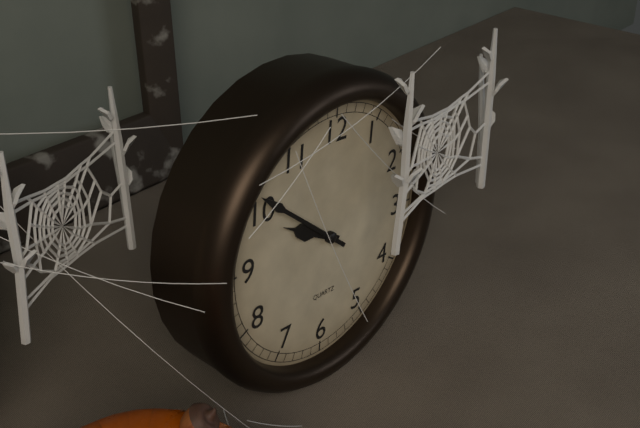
9.51
